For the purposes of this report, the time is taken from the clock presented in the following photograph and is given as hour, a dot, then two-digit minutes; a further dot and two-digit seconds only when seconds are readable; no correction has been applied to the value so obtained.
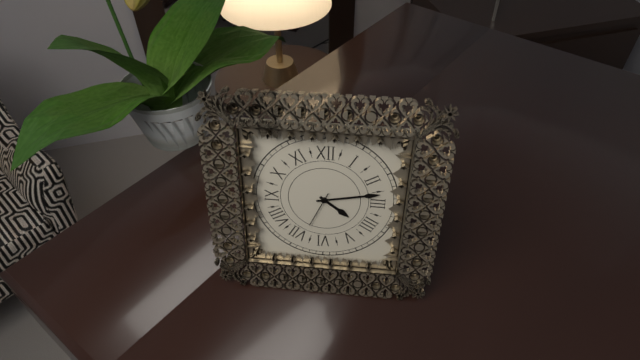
4.13
